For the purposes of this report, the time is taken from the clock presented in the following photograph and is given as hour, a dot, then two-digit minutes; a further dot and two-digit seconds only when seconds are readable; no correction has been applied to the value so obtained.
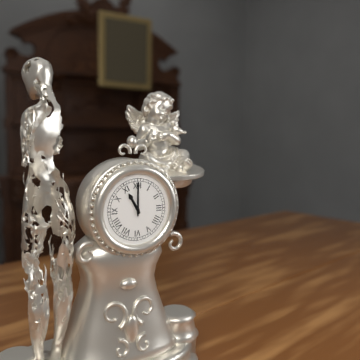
11.00
